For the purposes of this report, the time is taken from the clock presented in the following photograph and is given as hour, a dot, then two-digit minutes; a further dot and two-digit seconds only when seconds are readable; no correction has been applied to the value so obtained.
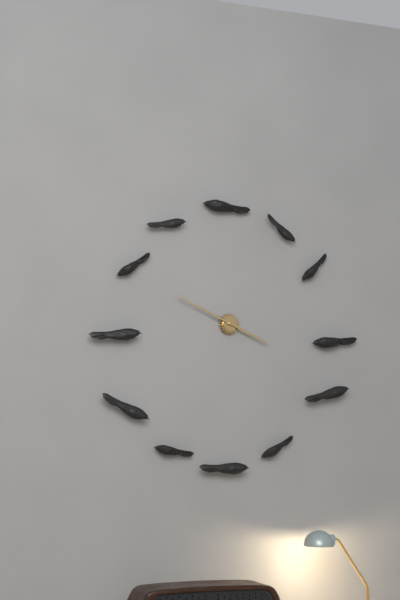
3.49
